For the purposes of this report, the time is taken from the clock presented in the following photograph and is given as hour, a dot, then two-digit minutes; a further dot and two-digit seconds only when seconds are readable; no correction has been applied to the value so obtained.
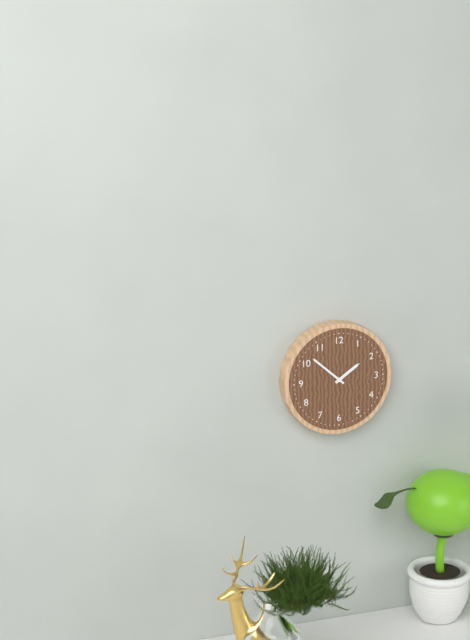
1.52
